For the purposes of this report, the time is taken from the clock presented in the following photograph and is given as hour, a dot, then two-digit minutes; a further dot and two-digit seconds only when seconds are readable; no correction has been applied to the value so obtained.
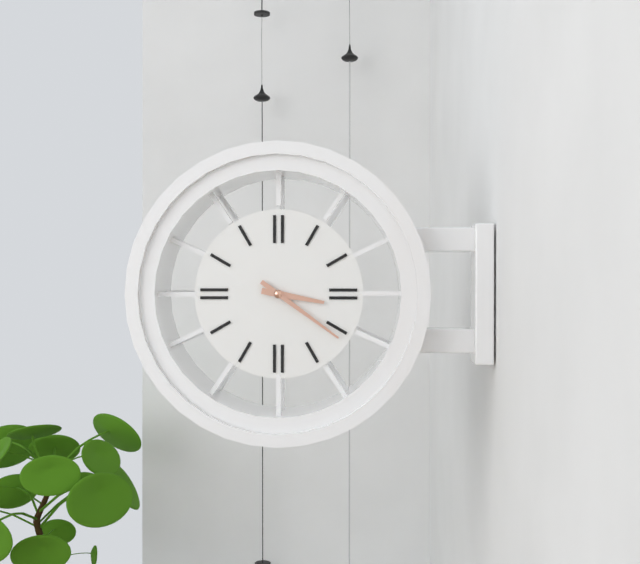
3.21
